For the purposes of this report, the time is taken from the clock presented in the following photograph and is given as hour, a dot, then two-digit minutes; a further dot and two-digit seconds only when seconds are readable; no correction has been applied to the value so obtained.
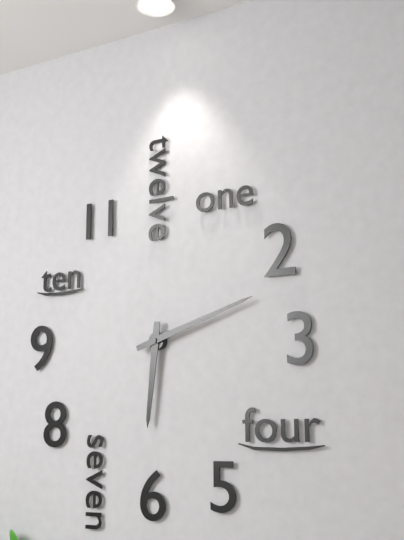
6.12
